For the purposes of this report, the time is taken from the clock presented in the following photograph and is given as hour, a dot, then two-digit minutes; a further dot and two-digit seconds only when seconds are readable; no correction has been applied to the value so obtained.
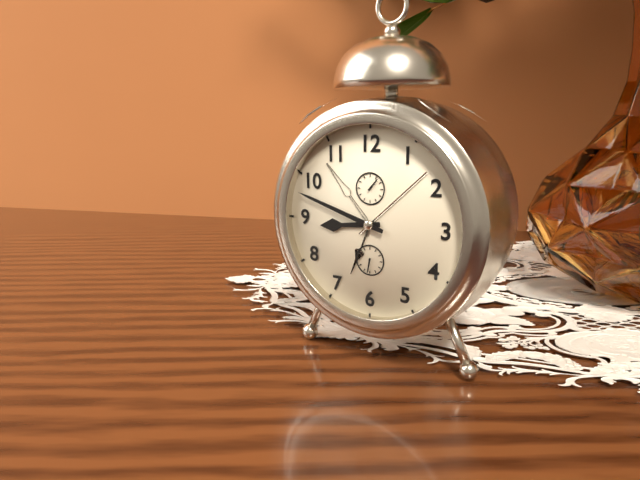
8.48
